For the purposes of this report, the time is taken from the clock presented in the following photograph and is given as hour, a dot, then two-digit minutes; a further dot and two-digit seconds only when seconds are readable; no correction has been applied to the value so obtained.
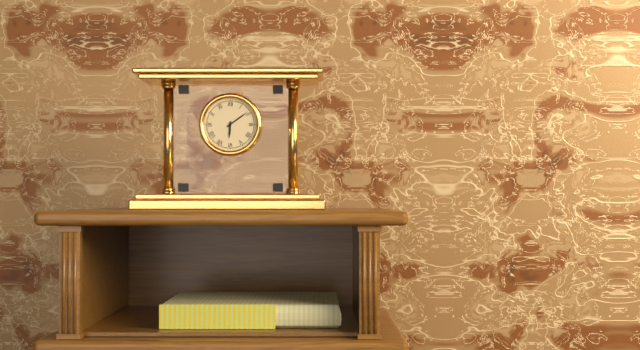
6.09
